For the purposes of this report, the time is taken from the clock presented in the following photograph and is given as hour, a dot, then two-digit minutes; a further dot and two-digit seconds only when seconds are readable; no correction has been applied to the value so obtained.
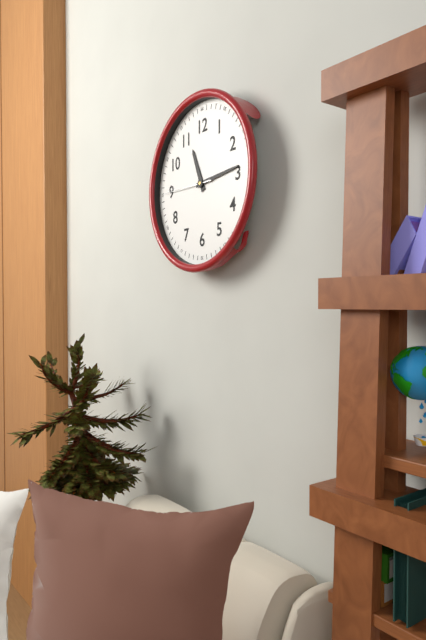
11.14
